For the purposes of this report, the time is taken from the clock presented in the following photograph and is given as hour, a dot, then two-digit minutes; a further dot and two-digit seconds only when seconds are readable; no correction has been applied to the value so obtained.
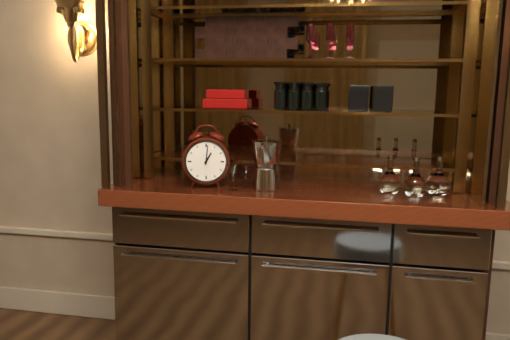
1.01
